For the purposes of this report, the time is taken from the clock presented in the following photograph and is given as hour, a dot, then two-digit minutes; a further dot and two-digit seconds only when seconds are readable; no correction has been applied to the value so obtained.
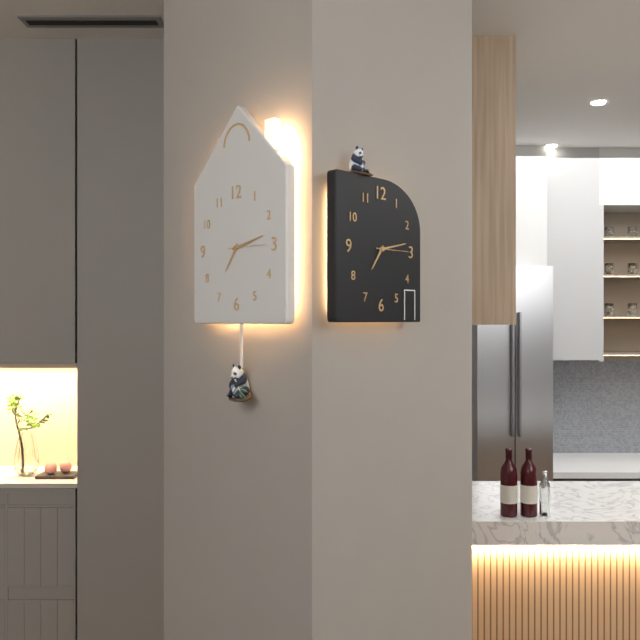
7.13
